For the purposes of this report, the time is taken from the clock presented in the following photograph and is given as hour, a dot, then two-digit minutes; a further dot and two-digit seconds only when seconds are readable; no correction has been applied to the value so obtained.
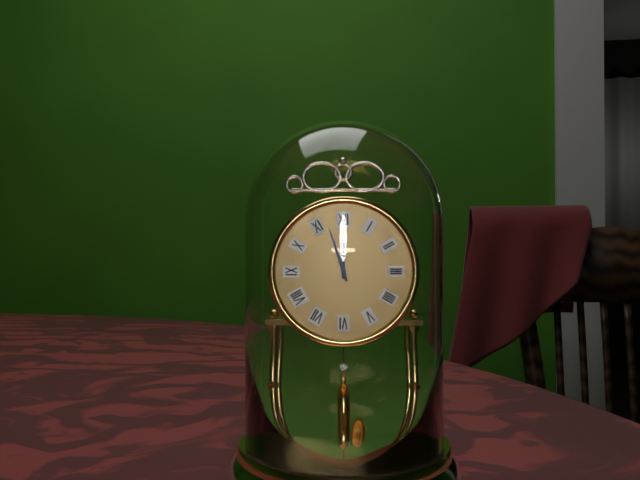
11.57
